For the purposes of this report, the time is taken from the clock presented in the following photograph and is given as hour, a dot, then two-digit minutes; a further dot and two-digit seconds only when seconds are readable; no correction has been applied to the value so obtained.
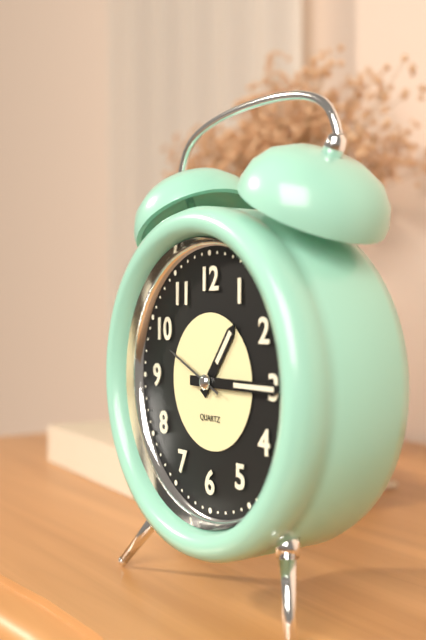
1.15.49
